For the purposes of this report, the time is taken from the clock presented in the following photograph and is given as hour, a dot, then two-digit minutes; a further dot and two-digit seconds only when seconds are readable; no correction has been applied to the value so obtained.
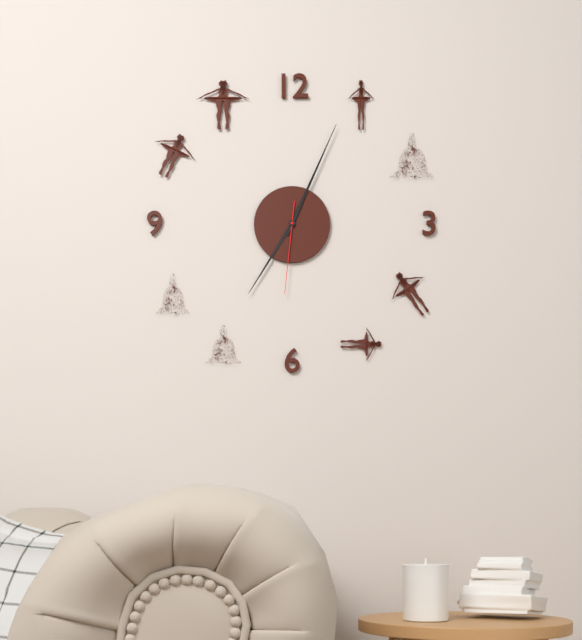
7.04.31
